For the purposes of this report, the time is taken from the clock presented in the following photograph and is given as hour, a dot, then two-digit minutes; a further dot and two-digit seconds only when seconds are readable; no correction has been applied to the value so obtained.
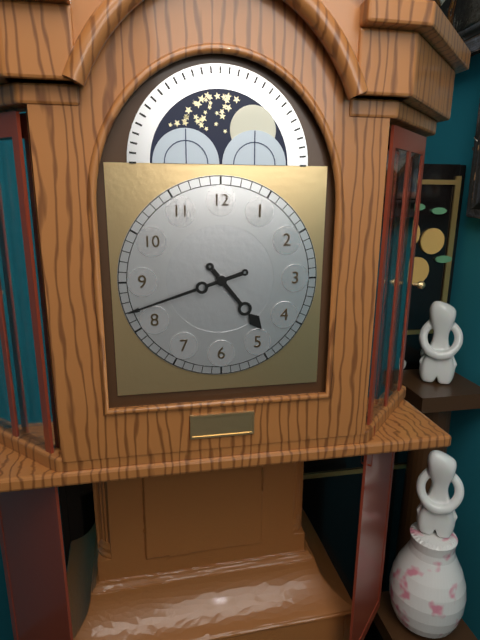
4.42
